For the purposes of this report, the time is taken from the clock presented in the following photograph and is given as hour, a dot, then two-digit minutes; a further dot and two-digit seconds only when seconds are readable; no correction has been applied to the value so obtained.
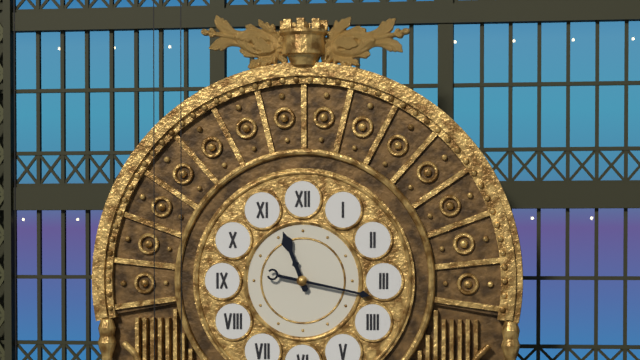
11.17
